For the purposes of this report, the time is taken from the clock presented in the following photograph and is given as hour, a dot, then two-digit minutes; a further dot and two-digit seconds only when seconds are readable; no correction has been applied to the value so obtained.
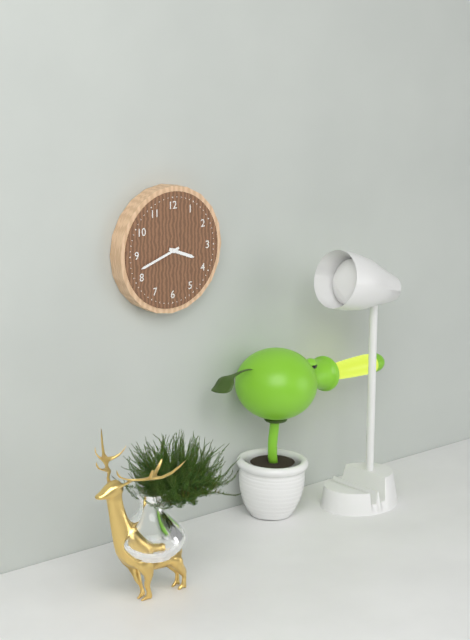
3.42
